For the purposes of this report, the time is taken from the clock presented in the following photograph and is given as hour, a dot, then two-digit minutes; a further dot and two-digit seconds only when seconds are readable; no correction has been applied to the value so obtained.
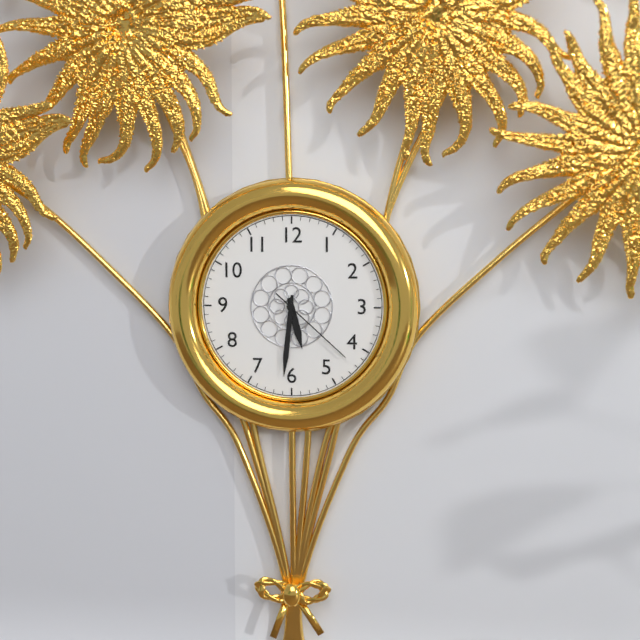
5.31.22
